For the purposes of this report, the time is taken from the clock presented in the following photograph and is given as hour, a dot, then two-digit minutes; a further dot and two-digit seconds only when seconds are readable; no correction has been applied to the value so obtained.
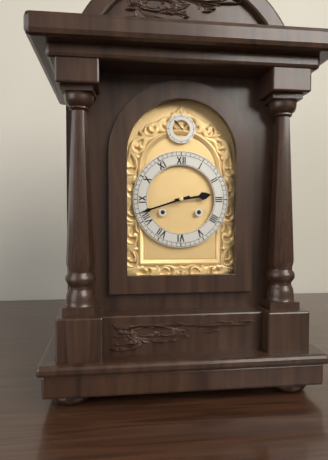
2.42
